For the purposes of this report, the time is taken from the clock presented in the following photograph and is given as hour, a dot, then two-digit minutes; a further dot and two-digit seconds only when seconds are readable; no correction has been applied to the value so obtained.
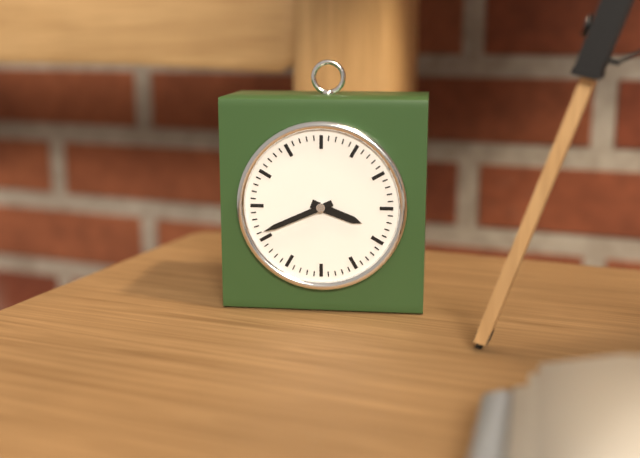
3.41
